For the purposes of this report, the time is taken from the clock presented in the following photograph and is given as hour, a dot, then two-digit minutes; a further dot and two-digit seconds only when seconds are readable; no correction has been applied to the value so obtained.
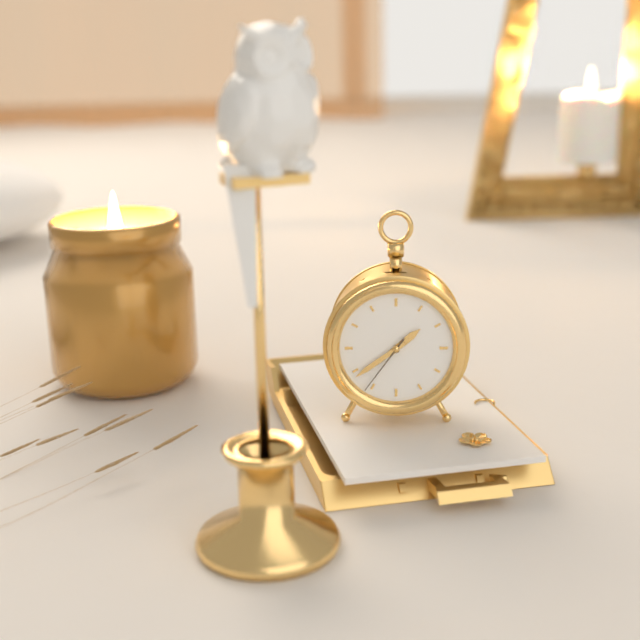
1.39.36
